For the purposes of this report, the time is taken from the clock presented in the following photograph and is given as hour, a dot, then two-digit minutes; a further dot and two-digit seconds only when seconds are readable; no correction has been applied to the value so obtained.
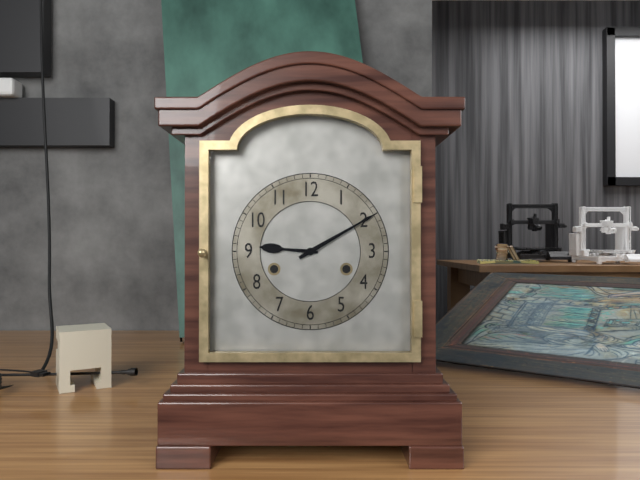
9.10
